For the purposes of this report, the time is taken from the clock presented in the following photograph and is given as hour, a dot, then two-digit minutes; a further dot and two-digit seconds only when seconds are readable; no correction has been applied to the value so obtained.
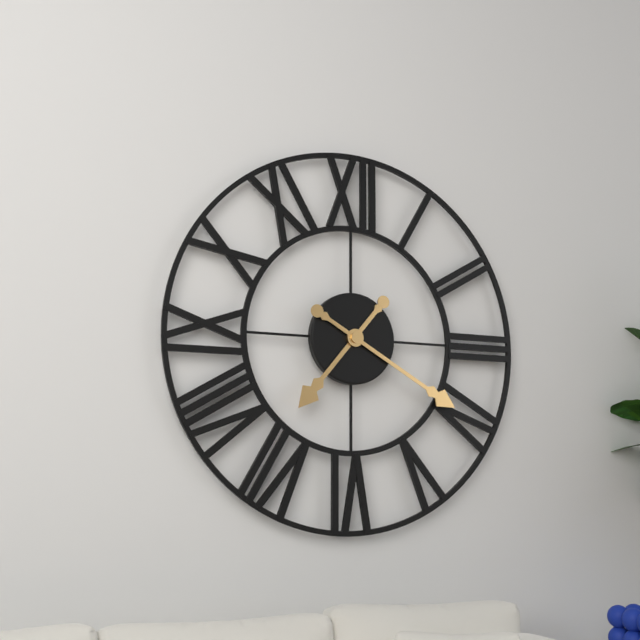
7.20
